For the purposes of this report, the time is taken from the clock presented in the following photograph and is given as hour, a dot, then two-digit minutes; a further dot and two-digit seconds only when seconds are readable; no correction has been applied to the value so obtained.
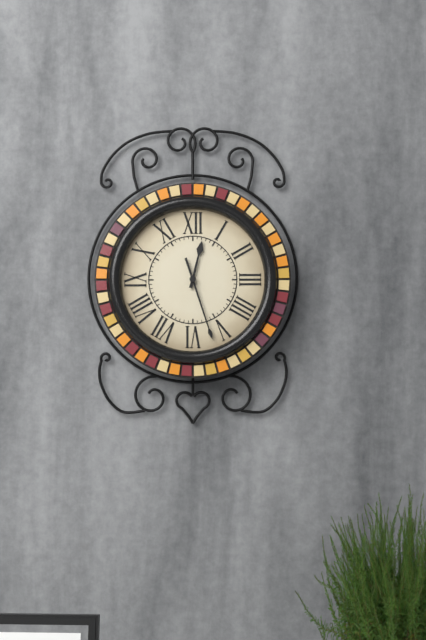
12.27
